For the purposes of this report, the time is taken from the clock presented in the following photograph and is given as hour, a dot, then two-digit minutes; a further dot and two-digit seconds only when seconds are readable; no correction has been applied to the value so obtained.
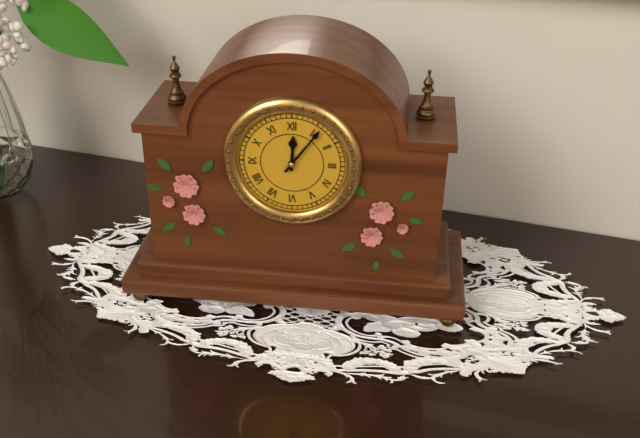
12.06
